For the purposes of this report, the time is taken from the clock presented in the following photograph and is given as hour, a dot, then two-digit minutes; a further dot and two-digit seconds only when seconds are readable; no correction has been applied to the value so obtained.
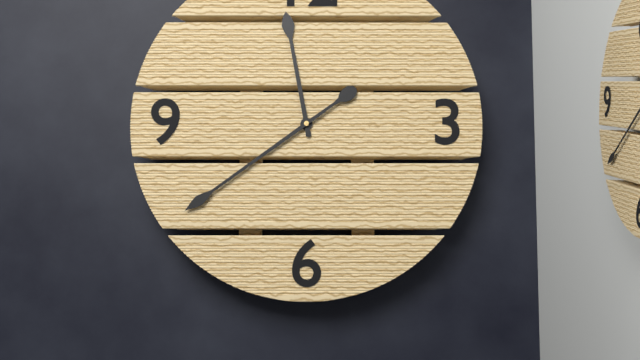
11.39
